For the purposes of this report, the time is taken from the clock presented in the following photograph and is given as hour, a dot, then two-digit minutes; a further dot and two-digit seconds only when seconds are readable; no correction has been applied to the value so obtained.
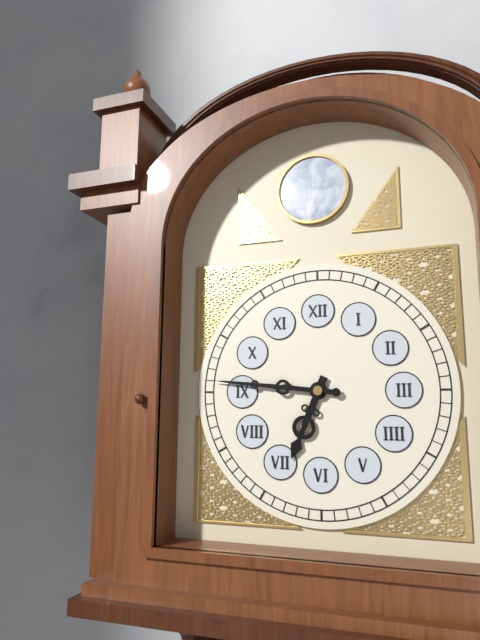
6.46
